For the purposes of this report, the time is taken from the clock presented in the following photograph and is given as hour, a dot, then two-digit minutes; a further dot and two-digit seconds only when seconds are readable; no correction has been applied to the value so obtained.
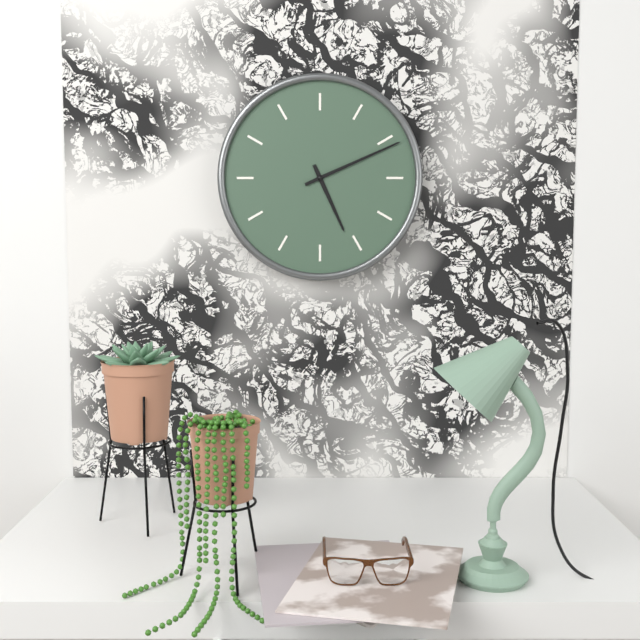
5.11
